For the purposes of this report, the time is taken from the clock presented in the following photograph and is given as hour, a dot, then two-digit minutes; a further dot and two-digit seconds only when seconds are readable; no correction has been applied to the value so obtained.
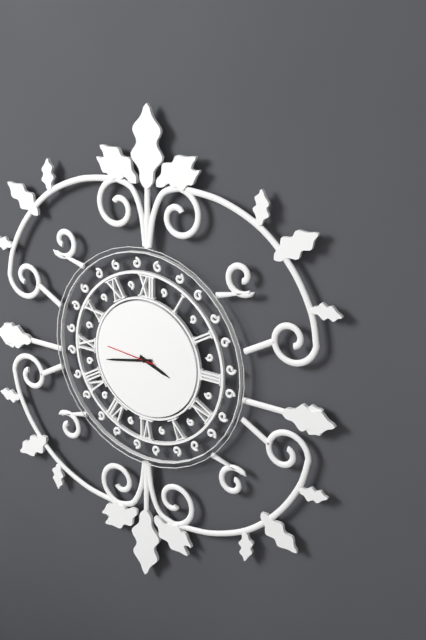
3.43.46
